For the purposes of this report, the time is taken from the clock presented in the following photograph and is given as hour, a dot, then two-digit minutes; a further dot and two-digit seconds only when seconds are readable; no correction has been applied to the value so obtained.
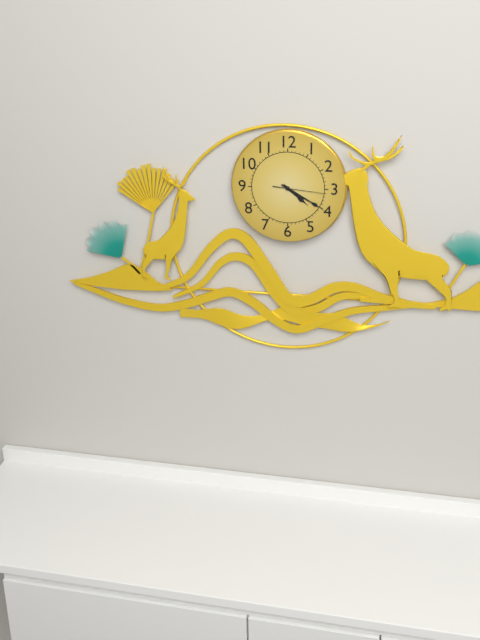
4.20
